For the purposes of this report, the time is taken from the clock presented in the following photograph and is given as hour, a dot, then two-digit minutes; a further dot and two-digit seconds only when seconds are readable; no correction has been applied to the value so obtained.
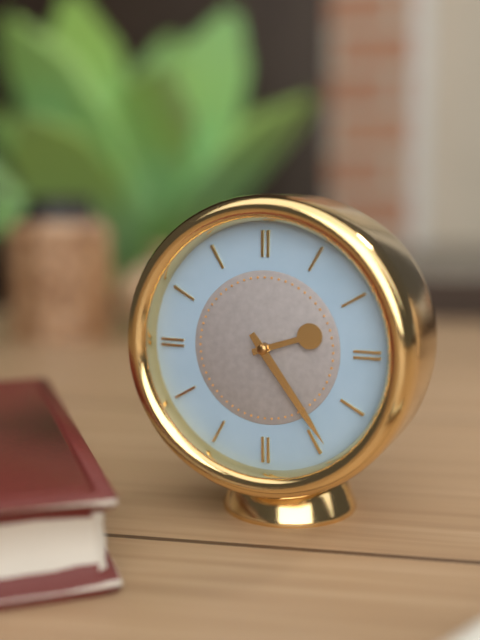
2.24
